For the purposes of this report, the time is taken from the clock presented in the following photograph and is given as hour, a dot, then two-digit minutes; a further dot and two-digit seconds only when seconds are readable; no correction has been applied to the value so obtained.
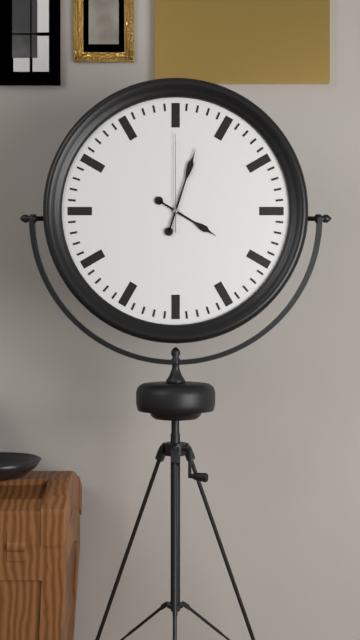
4.03.00
